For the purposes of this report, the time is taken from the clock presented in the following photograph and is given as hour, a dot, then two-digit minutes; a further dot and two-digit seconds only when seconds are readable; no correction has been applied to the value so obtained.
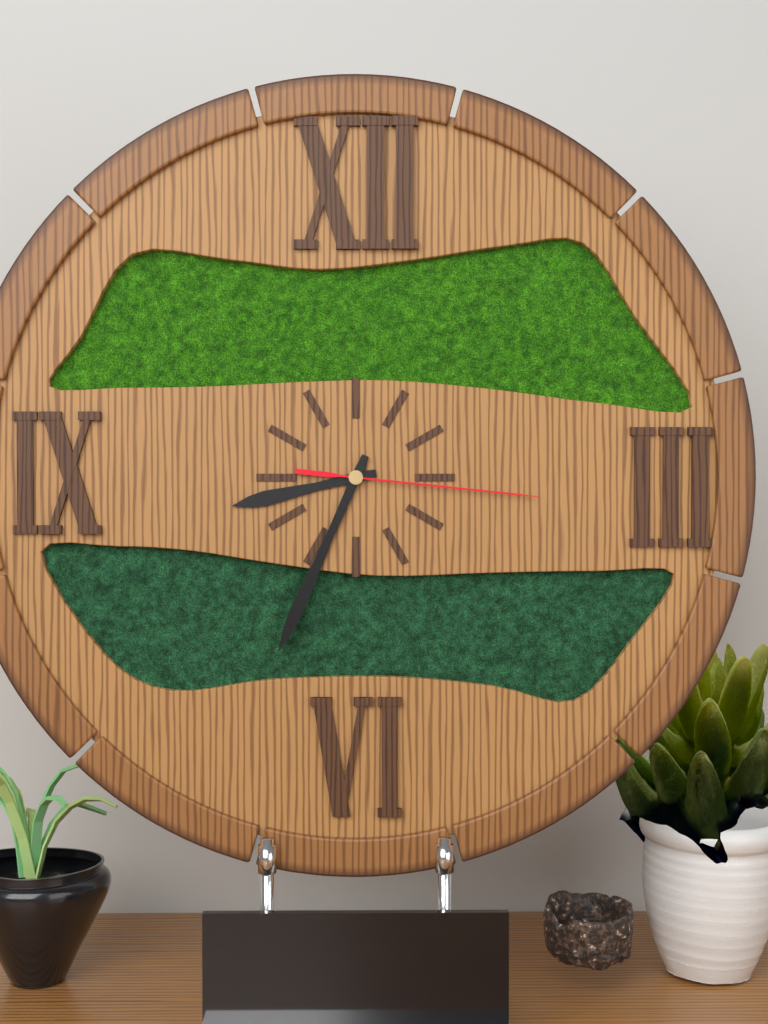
8.34.16
